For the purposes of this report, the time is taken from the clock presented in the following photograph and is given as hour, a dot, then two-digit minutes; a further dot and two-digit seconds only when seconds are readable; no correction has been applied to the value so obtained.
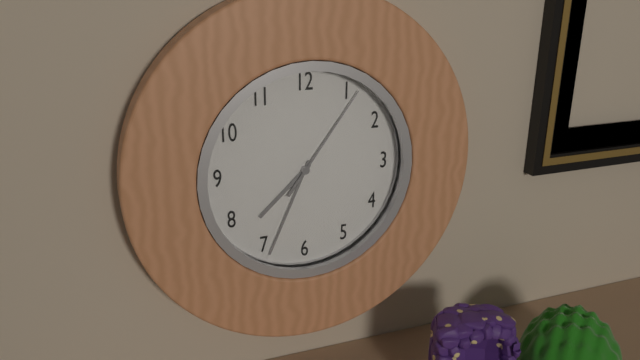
7.34.06
